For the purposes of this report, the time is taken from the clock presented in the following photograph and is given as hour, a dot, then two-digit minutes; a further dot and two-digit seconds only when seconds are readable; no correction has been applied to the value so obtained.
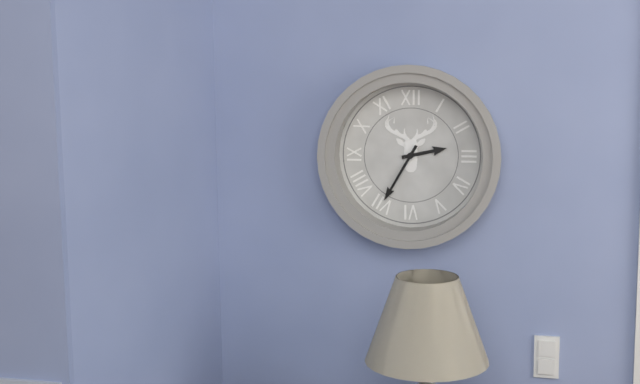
2.35
